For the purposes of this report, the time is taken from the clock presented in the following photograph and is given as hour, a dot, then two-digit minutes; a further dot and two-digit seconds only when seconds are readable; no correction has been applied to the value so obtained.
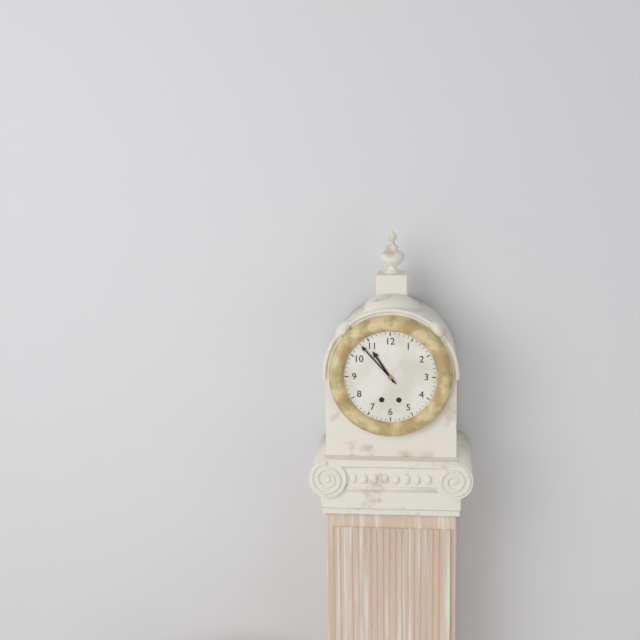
10.53
